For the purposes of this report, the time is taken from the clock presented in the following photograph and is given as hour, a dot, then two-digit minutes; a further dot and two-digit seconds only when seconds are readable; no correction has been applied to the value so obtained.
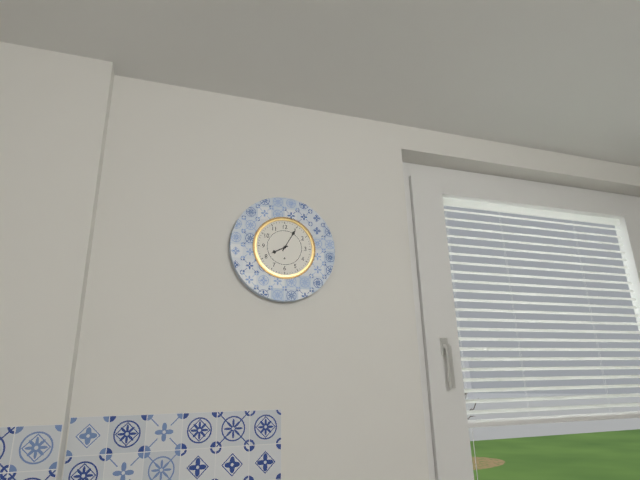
8.05
